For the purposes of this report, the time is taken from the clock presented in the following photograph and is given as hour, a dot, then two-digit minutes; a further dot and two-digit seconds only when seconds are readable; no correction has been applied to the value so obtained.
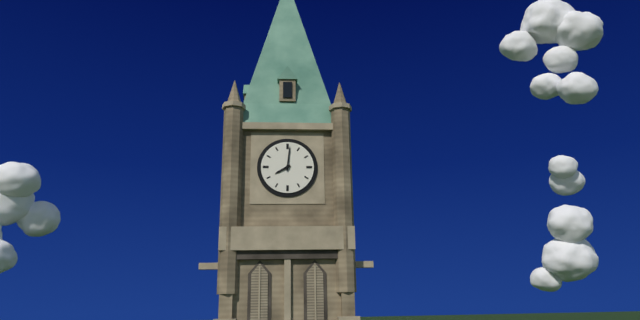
8.01
